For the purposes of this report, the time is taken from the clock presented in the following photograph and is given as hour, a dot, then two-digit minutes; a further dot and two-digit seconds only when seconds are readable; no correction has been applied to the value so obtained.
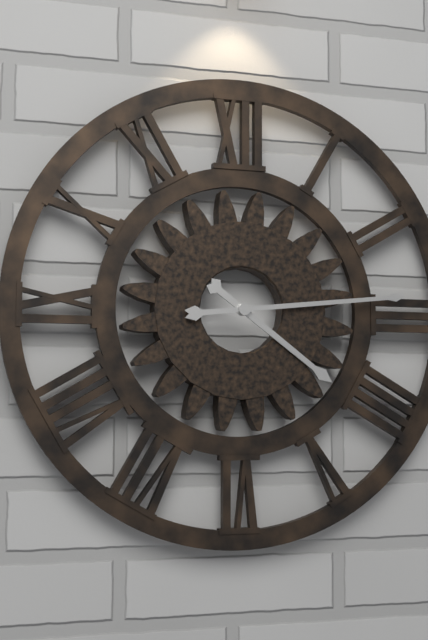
4.14
